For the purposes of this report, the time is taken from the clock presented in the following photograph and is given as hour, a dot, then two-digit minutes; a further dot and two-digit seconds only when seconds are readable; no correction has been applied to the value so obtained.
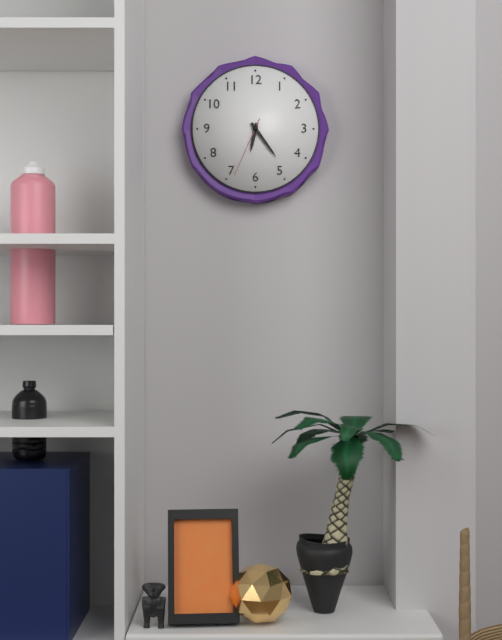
6.24.34
